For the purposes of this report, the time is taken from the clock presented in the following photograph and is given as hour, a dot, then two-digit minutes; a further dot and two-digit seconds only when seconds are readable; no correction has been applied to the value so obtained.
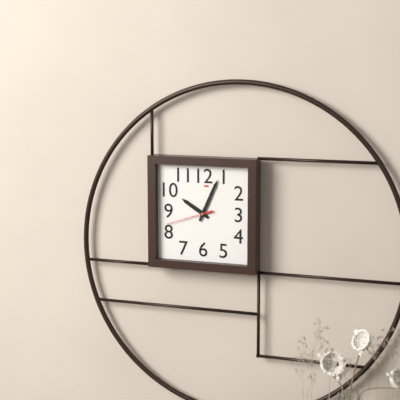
10.04
